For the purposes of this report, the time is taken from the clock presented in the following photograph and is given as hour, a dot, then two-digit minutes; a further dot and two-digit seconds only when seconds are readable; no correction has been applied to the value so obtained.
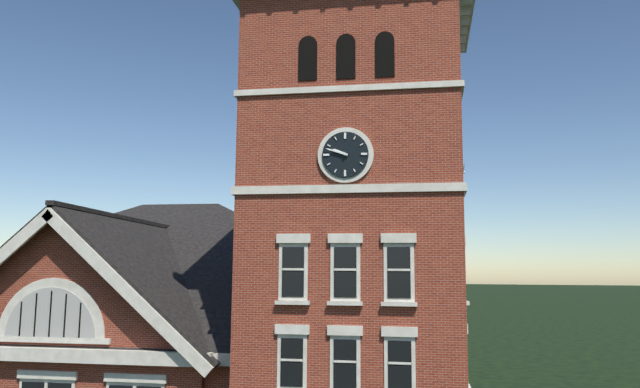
9.48
